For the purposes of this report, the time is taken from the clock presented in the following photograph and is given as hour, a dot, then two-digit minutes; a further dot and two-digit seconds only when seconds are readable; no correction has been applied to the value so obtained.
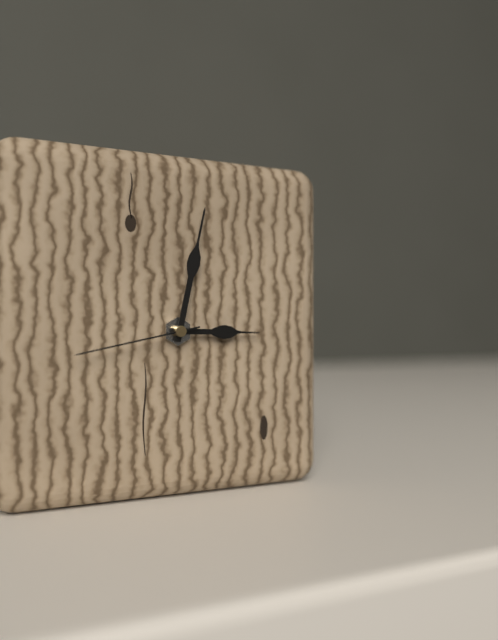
3.02.43
